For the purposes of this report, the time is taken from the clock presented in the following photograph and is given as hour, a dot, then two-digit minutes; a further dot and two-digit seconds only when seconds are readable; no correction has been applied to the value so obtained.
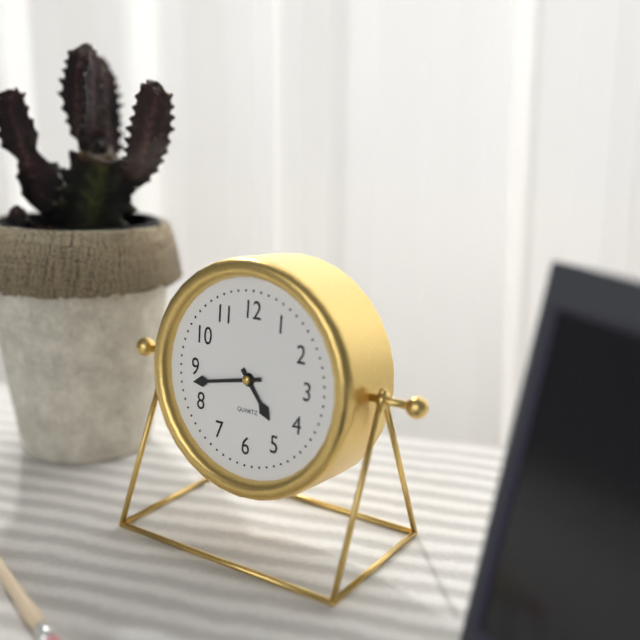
4.43
